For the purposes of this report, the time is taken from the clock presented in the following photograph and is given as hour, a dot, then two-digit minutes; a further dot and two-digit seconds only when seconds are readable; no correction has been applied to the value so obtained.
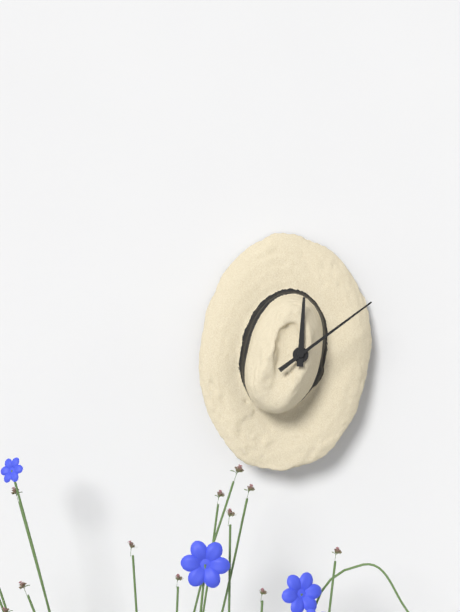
12.09
